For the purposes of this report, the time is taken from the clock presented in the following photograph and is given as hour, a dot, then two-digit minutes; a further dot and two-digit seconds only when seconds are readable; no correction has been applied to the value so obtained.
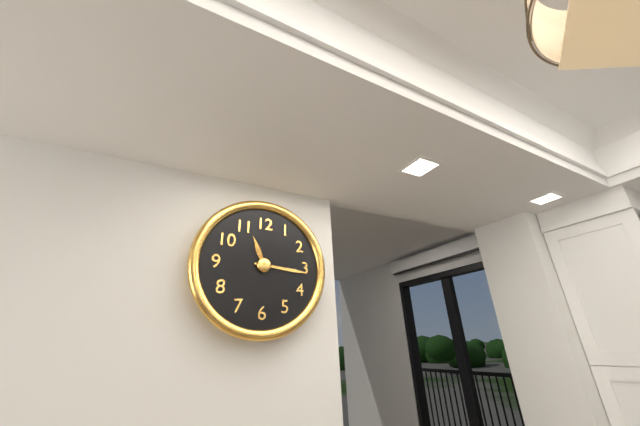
11.16
